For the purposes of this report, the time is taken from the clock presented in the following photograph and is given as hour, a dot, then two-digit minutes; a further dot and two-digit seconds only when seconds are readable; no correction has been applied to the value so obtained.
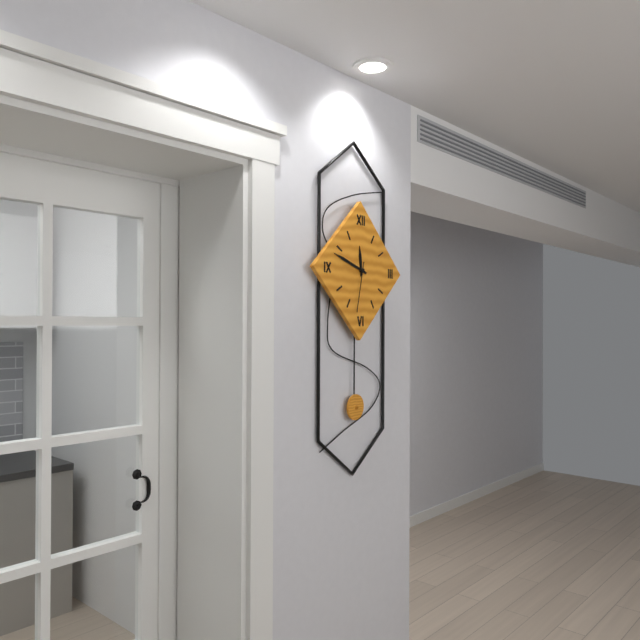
11.48.32
